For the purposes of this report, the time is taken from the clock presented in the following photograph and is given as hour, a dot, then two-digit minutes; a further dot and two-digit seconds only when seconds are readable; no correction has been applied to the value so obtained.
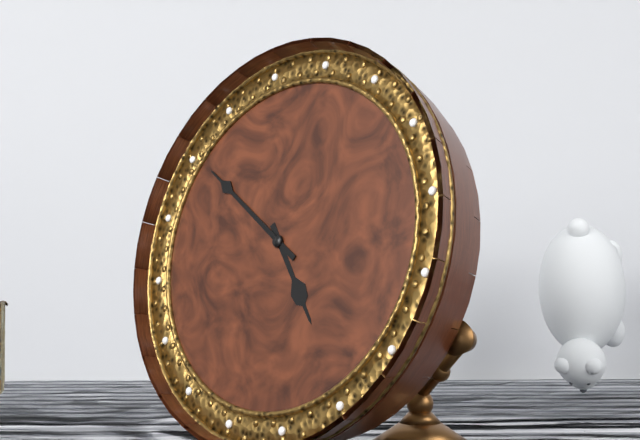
4.51
